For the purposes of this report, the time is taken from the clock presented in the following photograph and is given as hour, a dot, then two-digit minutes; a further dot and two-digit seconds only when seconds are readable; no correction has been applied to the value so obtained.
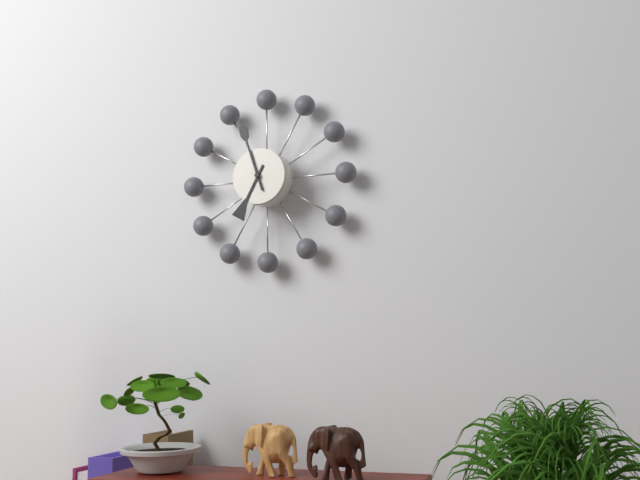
6.57
